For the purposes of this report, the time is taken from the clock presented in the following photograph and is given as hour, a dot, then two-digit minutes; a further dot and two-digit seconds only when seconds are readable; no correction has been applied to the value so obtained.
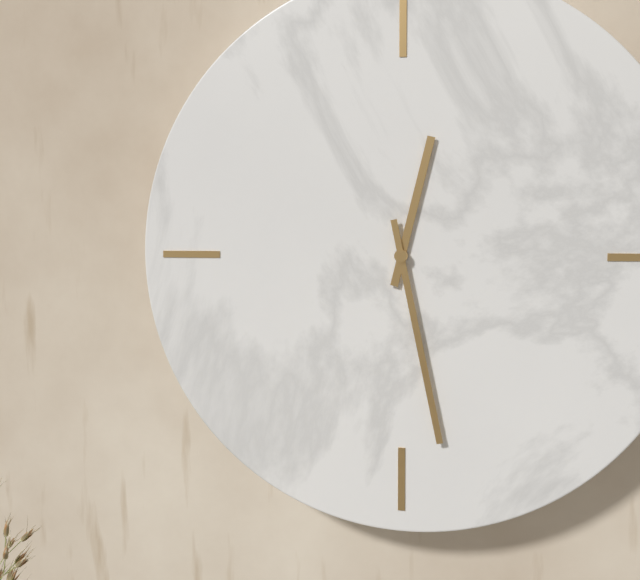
12.28
